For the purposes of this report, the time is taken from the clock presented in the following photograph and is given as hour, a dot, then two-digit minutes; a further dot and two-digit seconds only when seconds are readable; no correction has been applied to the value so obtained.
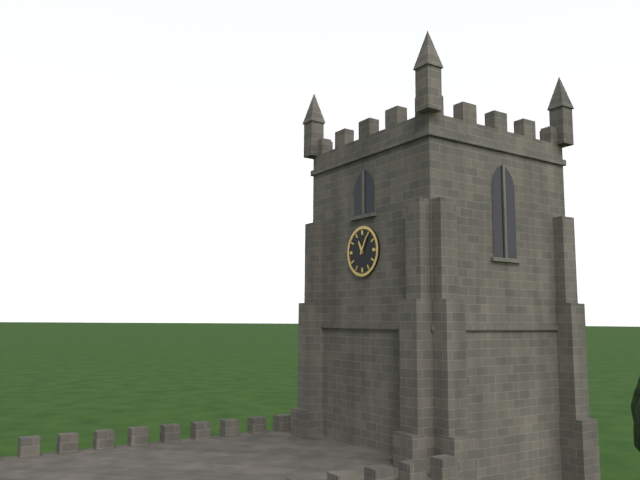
11.05
